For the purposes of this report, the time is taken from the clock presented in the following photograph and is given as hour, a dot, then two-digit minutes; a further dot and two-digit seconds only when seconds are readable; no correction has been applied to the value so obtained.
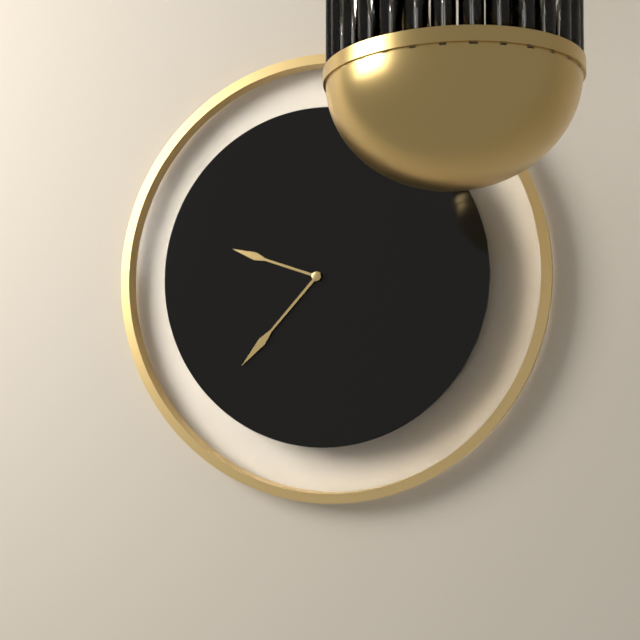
9.37
